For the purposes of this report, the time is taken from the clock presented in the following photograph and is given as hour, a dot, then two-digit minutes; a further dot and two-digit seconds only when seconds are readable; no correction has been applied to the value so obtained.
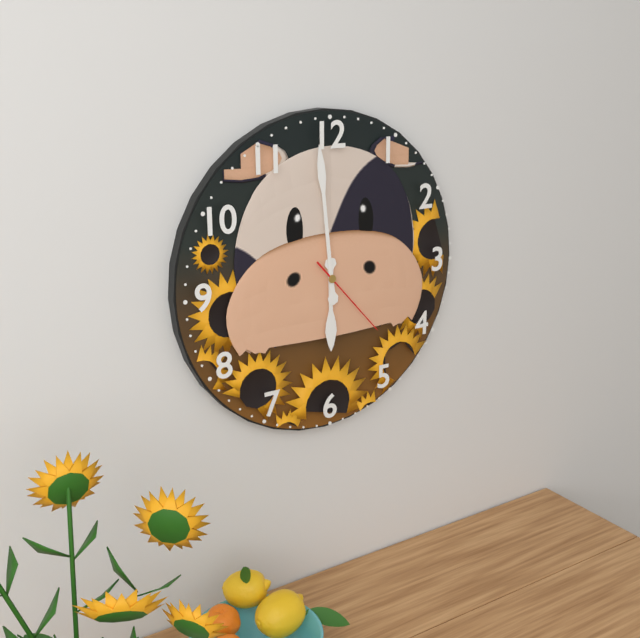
5.59.23
